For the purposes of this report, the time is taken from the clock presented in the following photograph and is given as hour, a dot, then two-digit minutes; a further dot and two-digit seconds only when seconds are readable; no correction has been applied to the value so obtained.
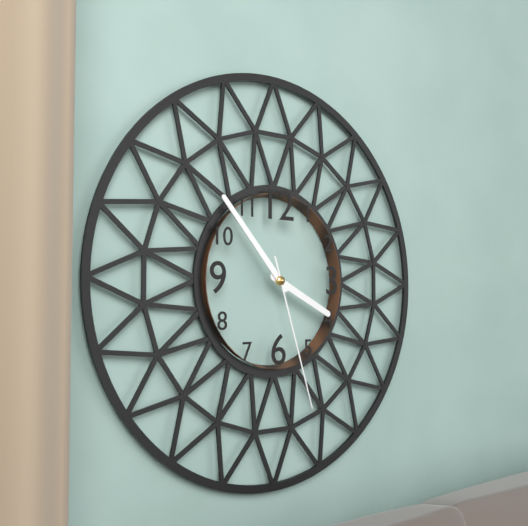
3.53.27
